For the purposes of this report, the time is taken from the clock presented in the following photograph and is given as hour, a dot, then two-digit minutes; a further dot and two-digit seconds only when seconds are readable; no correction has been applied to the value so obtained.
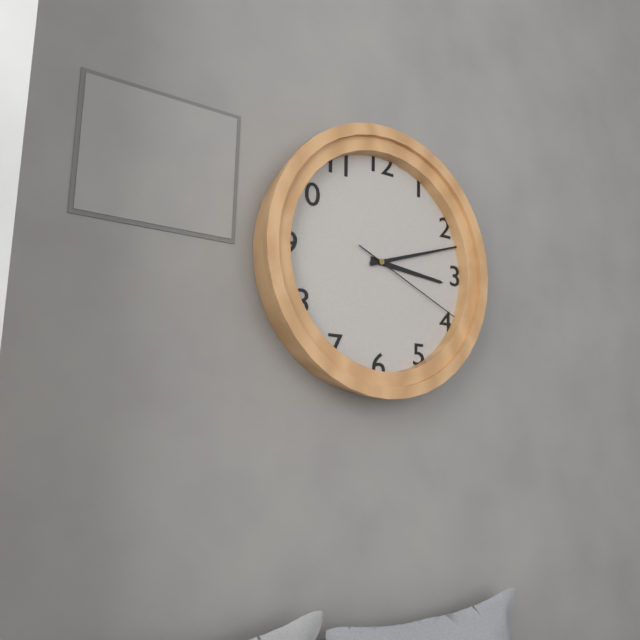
3.12.19
